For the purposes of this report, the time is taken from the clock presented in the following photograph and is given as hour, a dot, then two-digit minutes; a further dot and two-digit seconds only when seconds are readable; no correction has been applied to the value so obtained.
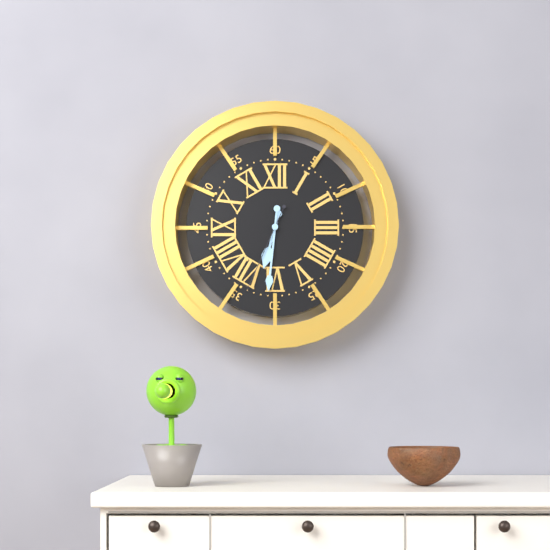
6.31.34
